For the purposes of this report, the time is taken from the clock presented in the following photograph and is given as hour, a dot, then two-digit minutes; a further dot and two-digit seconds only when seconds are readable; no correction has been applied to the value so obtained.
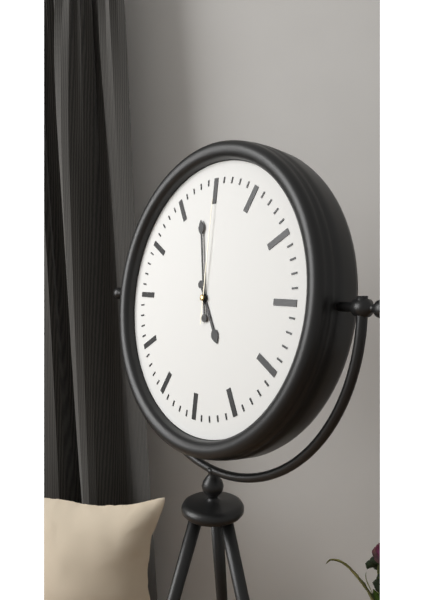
4.58.00
